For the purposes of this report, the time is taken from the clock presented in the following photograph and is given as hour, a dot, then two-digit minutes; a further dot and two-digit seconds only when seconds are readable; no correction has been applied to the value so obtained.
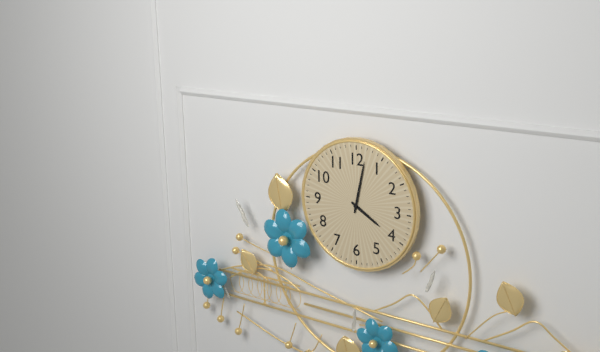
4.02
